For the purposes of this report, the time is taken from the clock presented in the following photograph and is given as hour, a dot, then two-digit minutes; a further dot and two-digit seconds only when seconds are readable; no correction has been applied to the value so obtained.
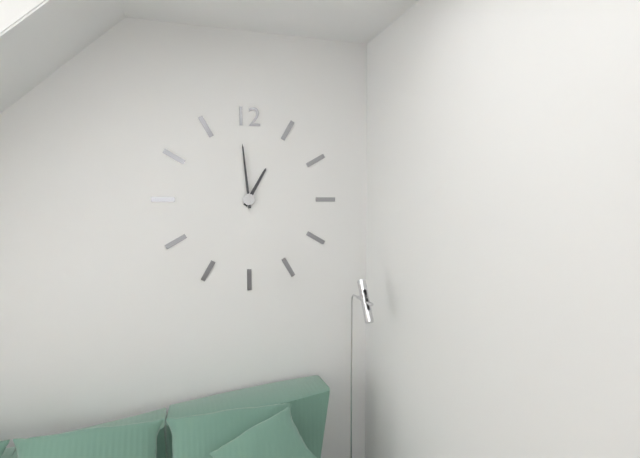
12.59
